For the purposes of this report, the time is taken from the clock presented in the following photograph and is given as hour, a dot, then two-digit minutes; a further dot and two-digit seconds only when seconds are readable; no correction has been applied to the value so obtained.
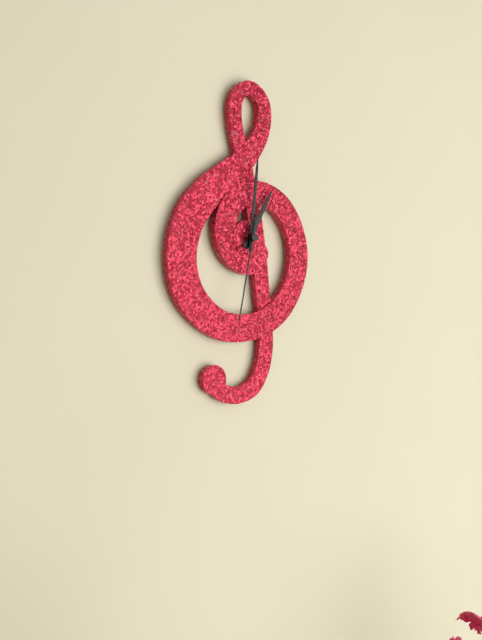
1.01.32
